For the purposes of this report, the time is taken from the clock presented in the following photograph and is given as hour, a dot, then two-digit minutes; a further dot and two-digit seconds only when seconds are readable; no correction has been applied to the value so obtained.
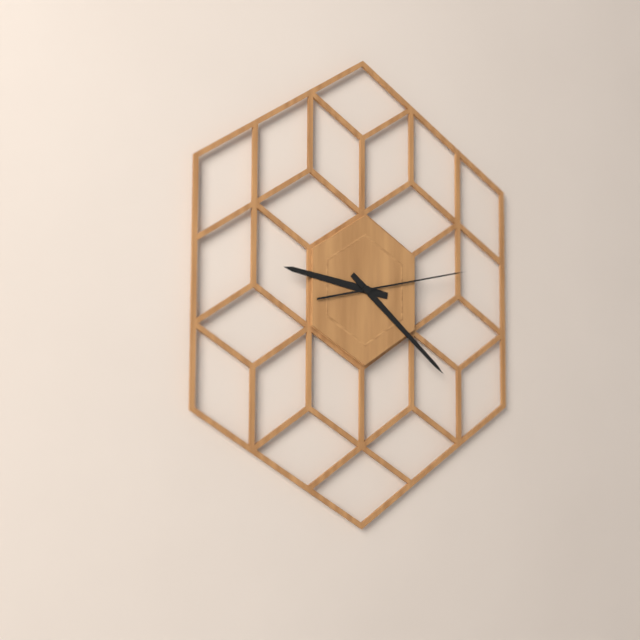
9.22.13
